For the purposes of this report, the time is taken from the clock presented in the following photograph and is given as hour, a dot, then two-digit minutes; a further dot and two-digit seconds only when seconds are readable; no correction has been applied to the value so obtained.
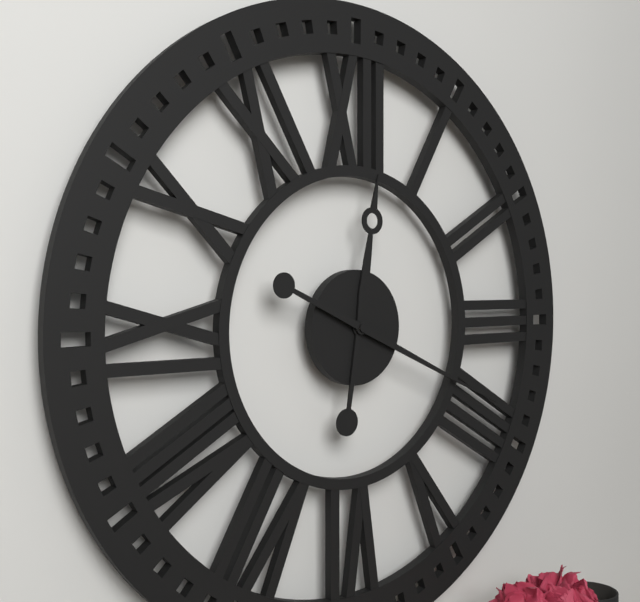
12.19
